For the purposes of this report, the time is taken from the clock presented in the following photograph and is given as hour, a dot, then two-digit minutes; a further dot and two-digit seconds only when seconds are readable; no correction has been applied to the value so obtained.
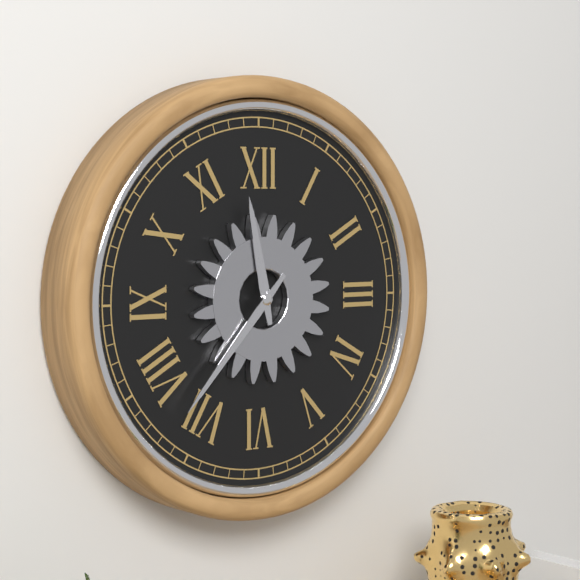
11.37
